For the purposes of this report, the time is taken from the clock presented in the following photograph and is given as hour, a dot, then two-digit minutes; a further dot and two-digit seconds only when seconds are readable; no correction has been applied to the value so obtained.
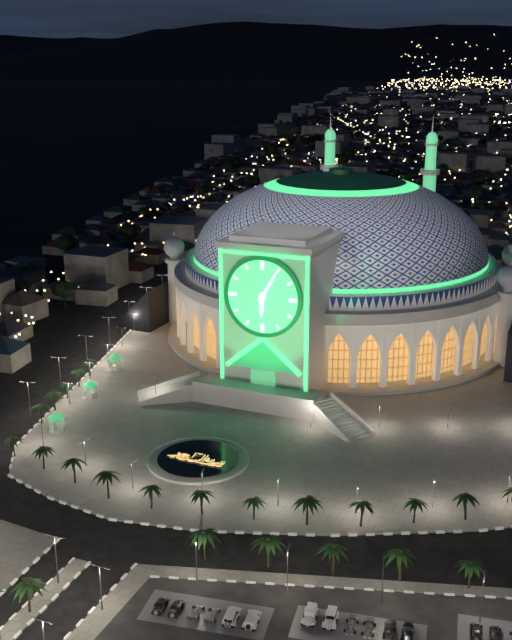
6.05
